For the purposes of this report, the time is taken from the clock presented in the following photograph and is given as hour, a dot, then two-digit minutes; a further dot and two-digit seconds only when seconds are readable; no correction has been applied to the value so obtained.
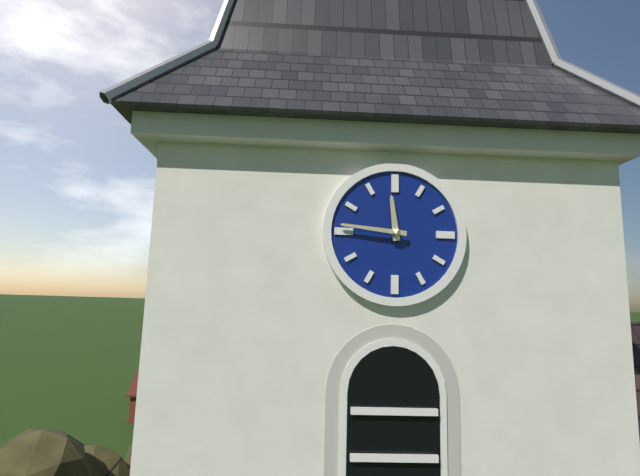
11.46
